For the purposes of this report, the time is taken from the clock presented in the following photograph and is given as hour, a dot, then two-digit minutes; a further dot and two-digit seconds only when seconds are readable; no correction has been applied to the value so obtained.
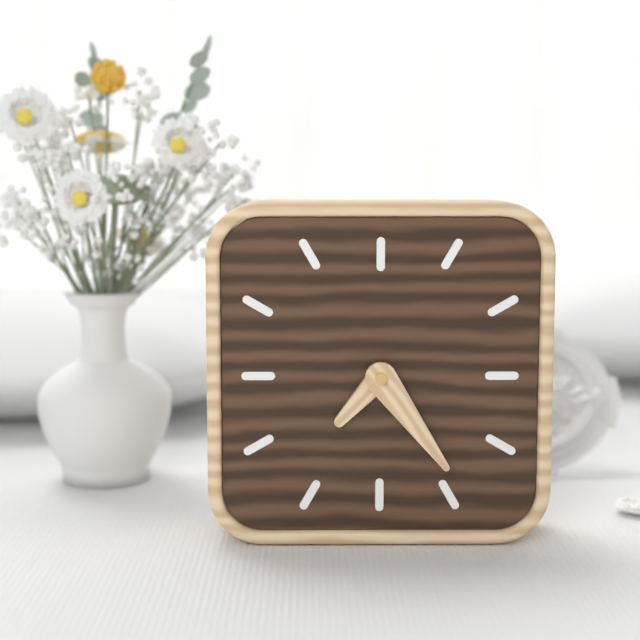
7.24
